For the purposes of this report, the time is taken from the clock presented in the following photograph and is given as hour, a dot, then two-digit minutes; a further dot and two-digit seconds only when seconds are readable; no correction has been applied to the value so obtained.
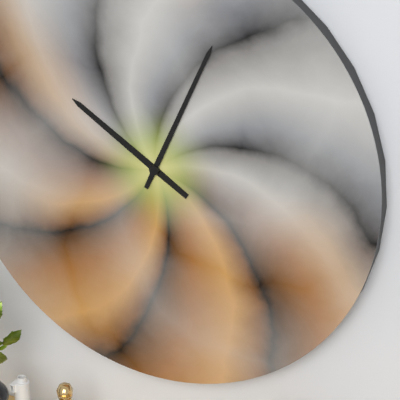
10.04
